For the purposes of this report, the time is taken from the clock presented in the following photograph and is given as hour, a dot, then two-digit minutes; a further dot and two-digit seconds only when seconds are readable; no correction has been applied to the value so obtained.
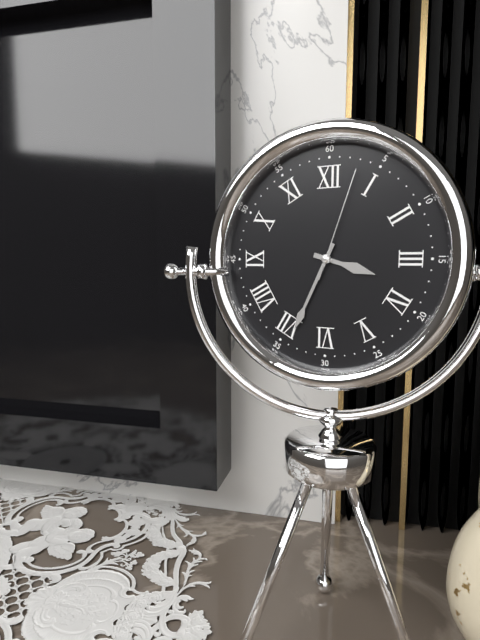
3.34.03
